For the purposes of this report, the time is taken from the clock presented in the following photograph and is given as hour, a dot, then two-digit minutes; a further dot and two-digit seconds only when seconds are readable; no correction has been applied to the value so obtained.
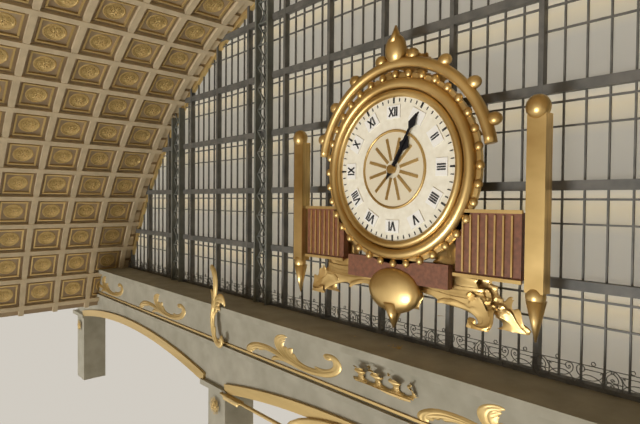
1.05
